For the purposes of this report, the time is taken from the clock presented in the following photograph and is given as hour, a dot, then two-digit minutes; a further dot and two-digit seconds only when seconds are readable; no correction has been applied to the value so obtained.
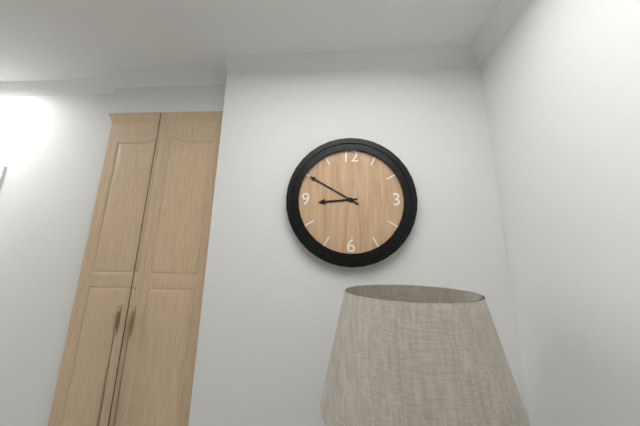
8.50
